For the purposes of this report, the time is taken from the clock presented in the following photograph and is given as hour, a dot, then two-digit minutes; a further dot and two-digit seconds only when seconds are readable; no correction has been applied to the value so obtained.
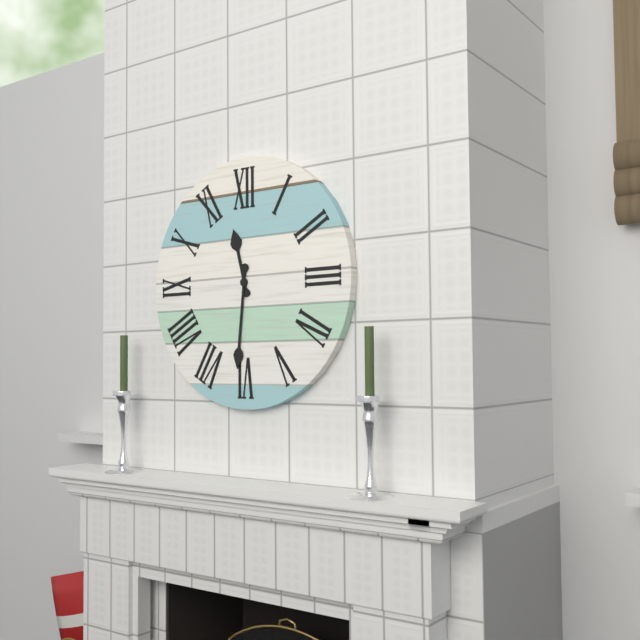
11.31
